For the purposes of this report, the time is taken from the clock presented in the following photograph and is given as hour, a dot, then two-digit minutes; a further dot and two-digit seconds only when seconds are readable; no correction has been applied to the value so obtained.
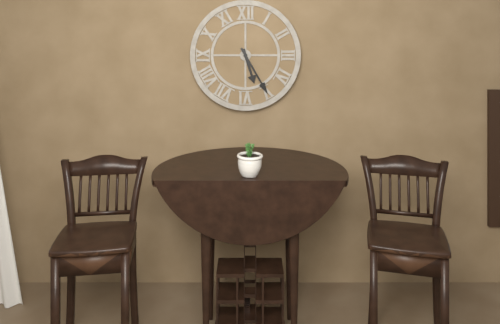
5.25
